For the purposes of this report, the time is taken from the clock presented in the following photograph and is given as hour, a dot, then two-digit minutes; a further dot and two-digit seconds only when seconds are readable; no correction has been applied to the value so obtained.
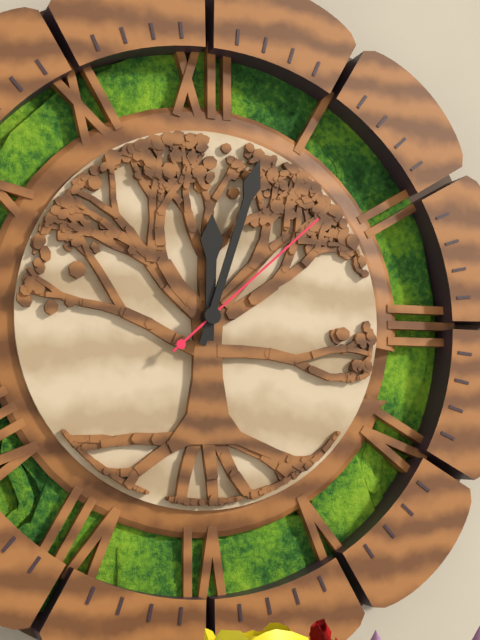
12.03.08
